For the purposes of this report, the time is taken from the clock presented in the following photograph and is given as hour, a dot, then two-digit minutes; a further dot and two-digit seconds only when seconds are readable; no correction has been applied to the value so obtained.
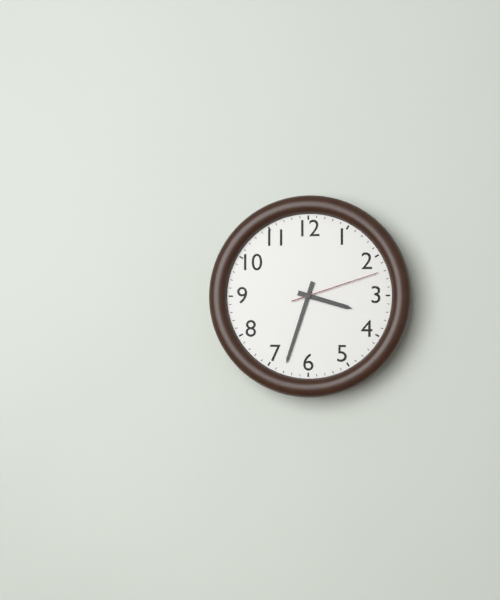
3.33.12
